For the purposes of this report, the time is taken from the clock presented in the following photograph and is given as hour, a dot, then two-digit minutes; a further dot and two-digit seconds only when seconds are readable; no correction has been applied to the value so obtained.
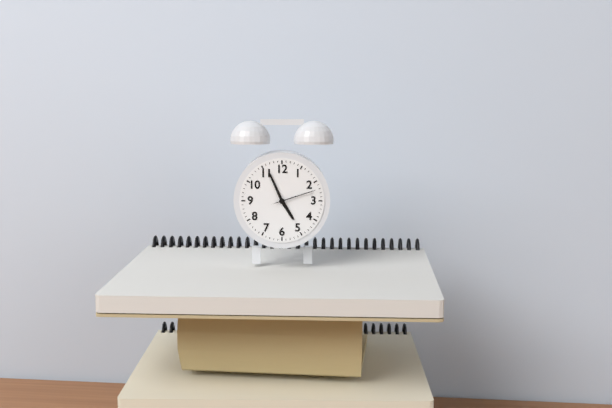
4.56
